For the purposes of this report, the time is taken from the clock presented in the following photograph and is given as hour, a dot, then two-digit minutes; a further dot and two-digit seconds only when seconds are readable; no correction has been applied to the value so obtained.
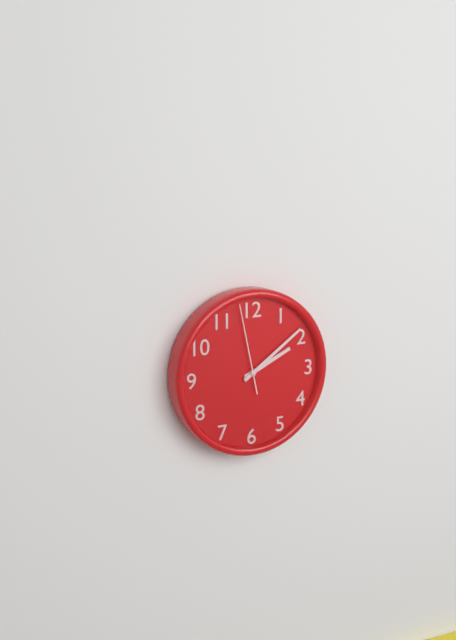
2.09.58
